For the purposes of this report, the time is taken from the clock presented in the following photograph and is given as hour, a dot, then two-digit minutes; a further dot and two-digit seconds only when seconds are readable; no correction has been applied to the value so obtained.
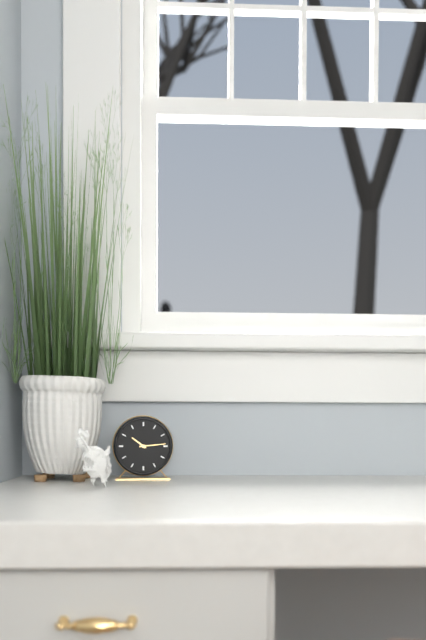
10.14
